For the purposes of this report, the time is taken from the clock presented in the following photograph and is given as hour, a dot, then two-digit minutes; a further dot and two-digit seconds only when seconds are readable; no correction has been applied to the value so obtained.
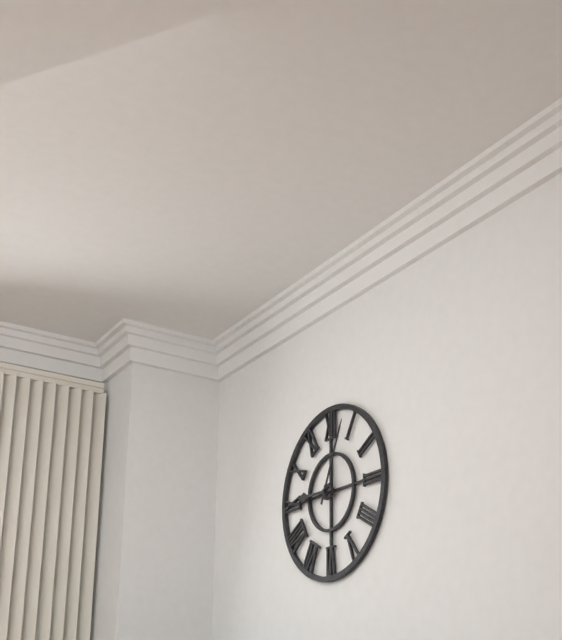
9.04
